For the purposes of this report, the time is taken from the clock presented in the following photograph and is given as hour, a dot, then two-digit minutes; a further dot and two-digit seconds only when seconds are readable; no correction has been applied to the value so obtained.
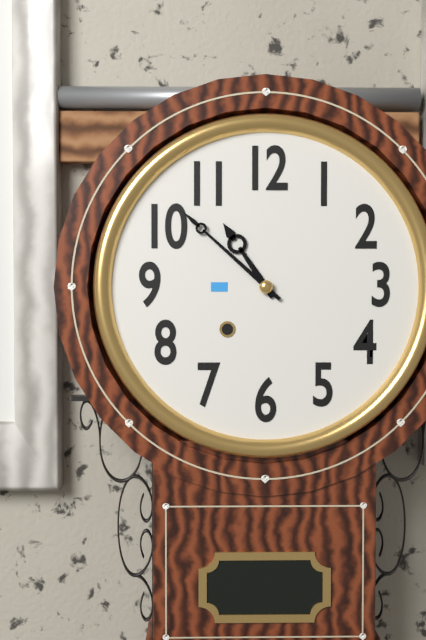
10.52
